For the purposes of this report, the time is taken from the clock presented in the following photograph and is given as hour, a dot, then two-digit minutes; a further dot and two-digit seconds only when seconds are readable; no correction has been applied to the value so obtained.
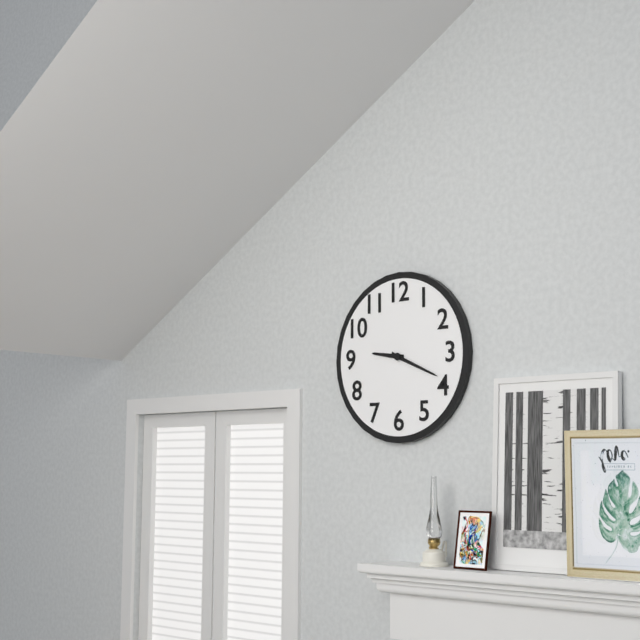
9.19
